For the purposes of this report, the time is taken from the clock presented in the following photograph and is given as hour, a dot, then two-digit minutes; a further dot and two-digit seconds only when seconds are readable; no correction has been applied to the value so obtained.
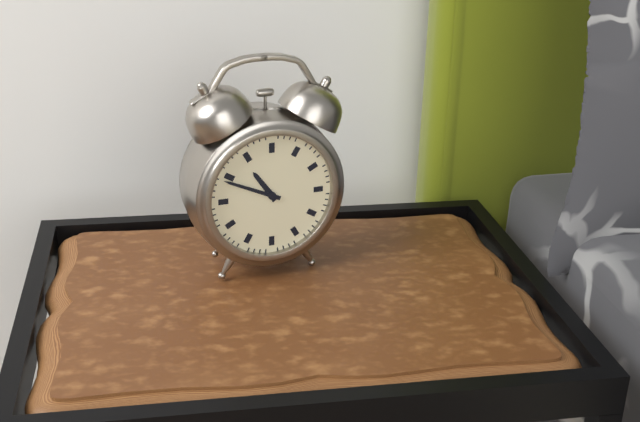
10.49
